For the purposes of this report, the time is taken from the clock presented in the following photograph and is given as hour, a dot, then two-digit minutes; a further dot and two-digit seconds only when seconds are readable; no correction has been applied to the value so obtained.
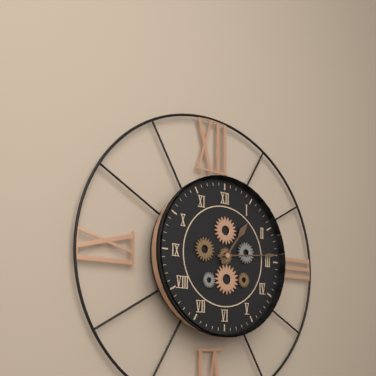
1.14
